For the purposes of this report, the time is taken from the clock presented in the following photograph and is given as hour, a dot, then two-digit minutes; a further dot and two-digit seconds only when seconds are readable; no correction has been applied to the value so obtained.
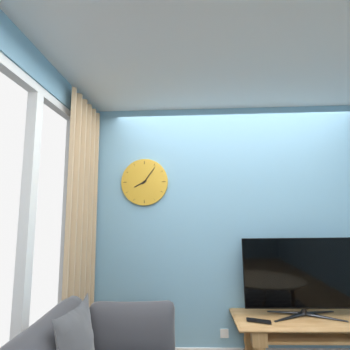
8.06
